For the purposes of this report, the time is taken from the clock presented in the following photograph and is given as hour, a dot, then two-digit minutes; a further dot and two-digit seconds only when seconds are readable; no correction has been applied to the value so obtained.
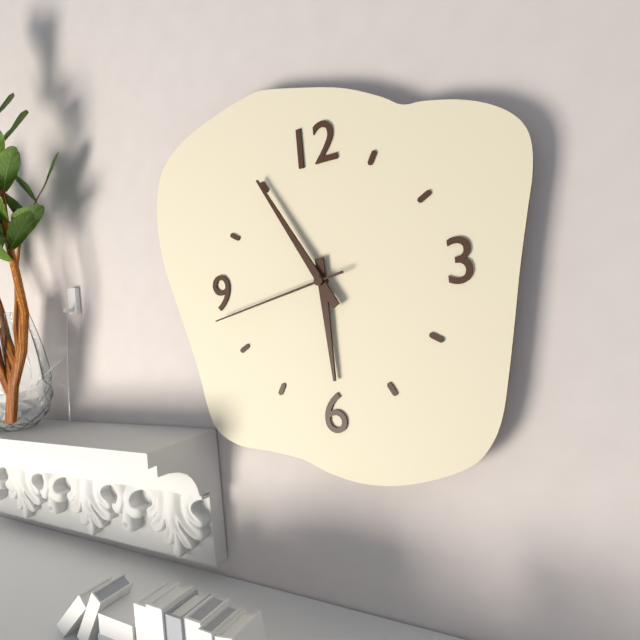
5.55.43
